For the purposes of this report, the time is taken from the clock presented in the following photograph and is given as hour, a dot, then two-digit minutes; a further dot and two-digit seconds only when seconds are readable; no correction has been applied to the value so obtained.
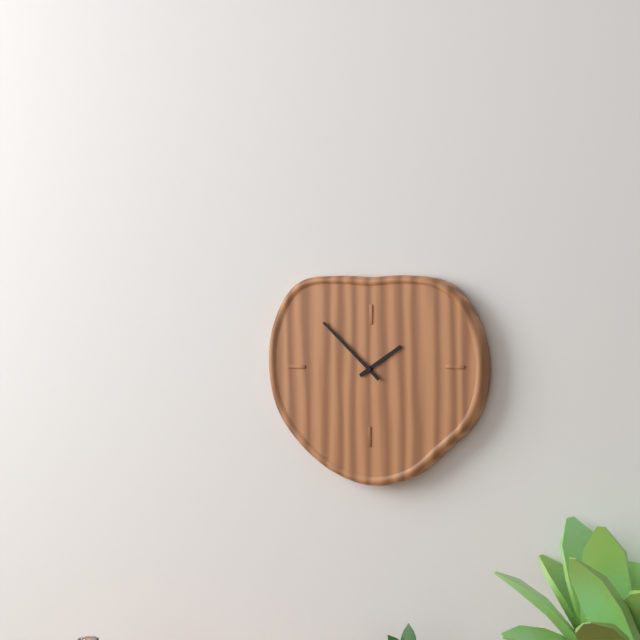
1.52
